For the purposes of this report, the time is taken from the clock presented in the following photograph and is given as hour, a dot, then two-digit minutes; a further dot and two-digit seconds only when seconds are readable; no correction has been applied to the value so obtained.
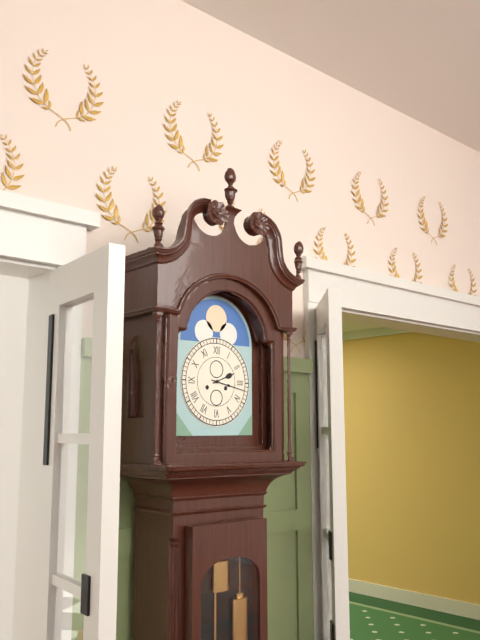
2.17
